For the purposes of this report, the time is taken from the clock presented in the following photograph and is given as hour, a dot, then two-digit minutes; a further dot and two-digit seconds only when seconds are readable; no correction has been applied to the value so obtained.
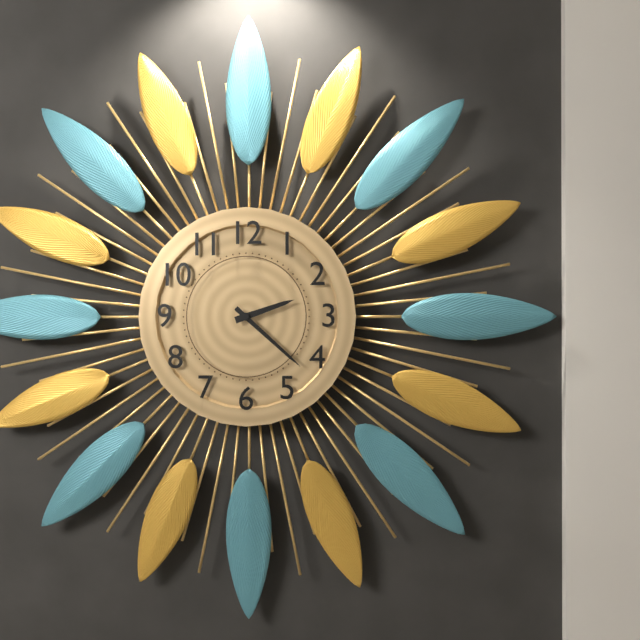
2.22
